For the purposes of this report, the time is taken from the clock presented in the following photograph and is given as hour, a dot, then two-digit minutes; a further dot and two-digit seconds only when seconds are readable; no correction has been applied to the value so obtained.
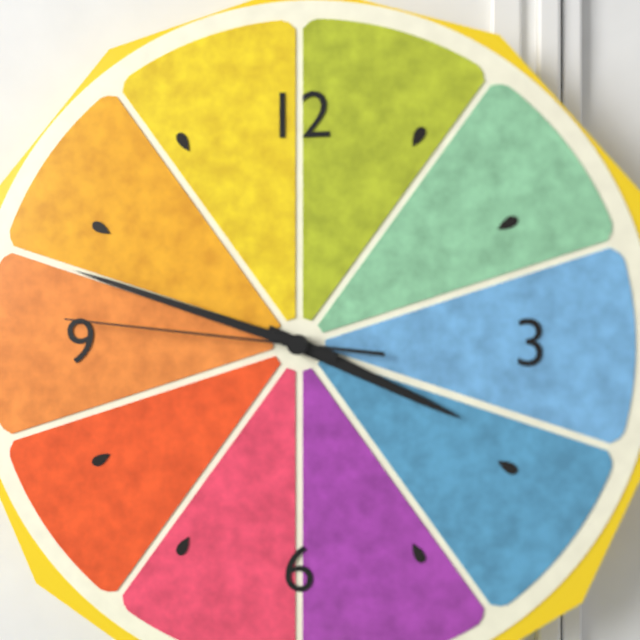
3.48.46
